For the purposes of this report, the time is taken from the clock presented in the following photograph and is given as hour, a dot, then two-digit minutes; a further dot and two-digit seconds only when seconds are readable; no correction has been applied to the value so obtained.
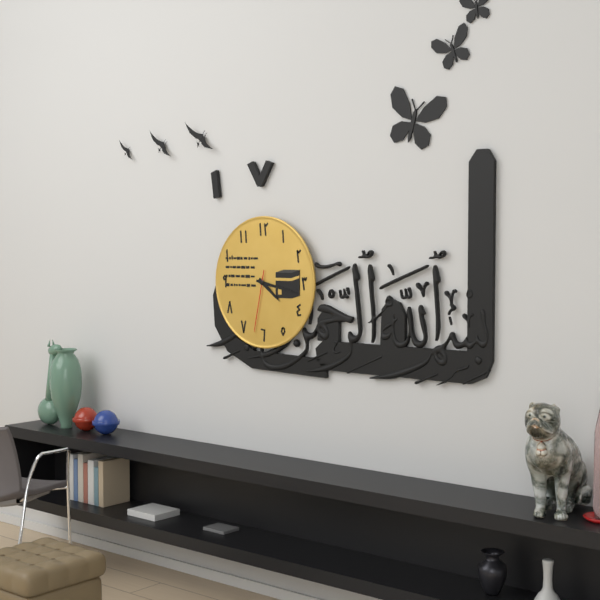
4.17.32
